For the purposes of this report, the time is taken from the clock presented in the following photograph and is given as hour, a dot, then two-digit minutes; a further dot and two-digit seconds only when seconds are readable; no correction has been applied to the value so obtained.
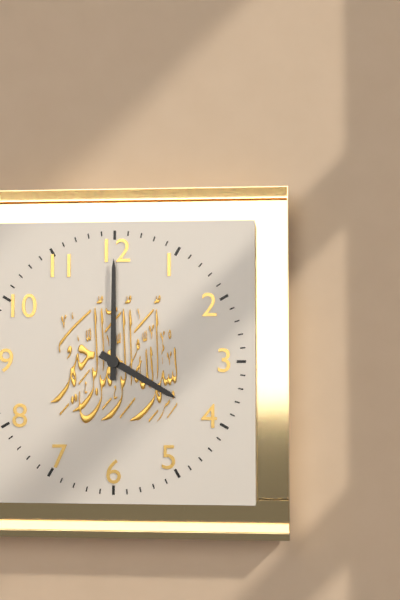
4.00
